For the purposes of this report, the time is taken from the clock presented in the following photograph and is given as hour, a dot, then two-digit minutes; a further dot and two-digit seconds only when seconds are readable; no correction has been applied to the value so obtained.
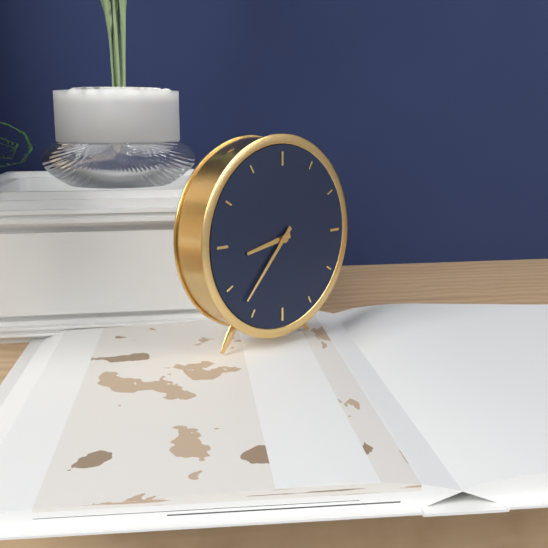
8.37
